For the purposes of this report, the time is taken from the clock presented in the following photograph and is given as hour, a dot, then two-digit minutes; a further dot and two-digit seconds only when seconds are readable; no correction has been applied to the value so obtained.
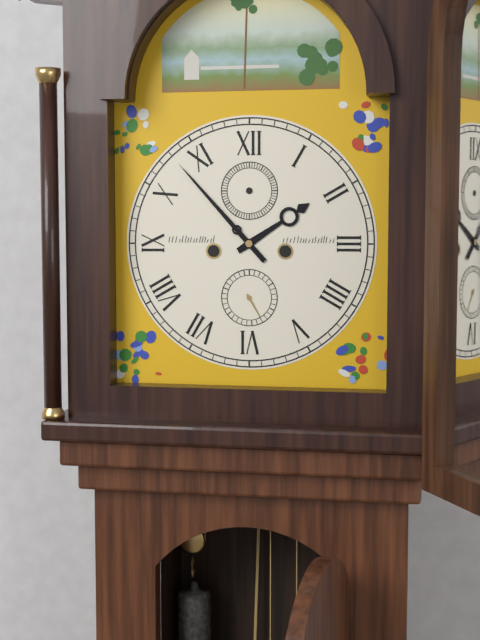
1.53
